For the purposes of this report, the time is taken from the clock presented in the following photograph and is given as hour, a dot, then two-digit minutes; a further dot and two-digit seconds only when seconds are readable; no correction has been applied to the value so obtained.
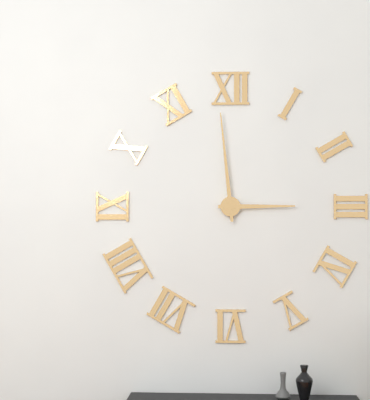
2.59
